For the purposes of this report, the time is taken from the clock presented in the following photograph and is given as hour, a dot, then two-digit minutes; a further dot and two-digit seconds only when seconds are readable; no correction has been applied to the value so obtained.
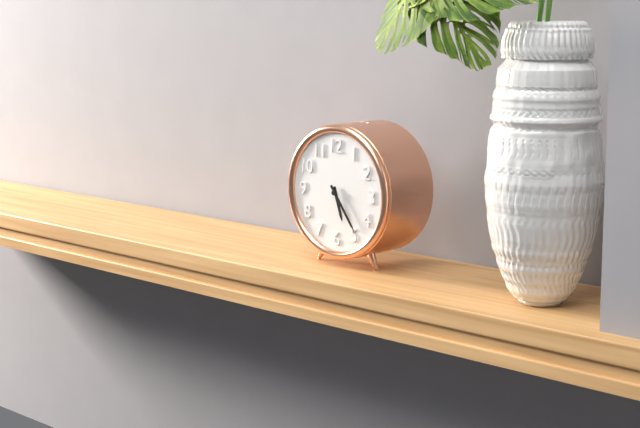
5.24
